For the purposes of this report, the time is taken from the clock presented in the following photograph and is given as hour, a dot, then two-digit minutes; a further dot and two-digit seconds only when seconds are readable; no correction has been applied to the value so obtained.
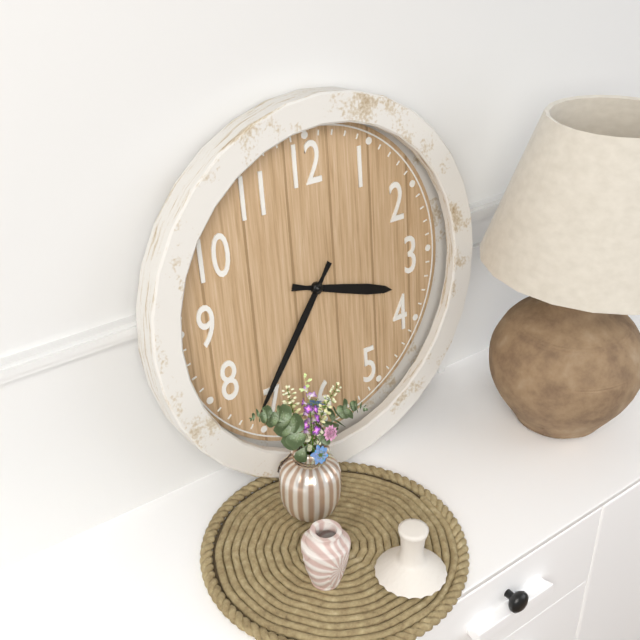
3.36
